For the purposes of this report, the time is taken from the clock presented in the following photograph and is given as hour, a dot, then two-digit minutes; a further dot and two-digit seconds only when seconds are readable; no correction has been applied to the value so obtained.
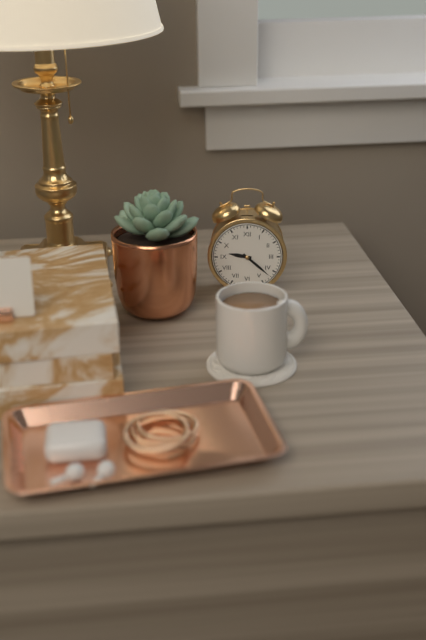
9.22
